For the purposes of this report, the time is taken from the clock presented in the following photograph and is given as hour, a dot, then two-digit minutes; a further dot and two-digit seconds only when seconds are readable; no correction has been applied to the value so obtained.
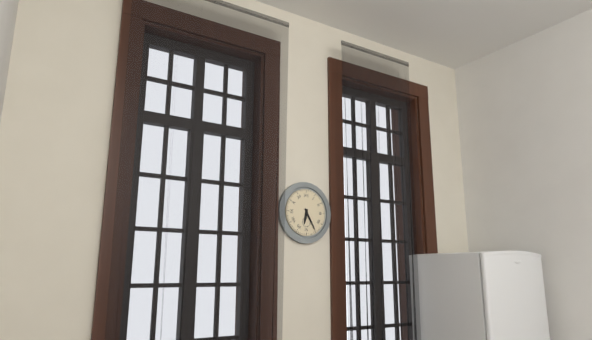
6.25
